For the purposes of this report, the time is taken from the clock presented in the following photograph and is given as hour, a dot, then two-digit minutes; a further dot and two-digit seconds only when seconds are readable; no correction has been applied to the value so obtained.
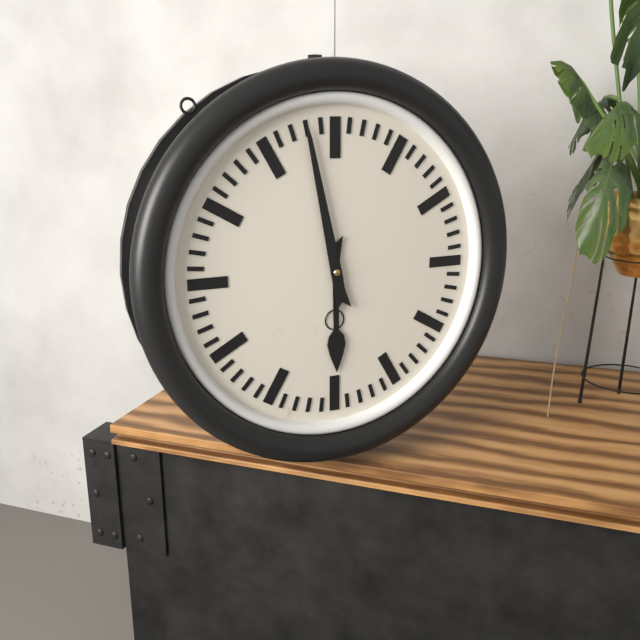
5.58
